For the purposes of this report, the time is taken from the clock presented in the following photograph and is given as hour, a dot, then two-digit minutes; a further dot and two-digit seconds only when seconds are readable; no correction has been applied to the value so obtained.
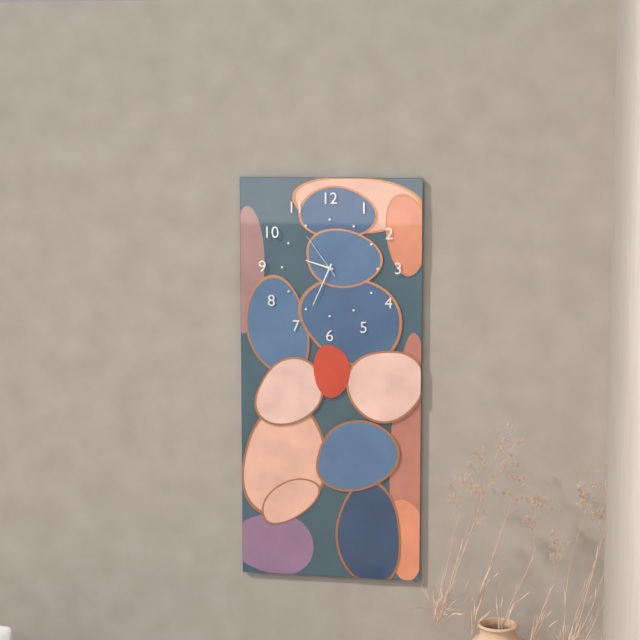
9.34
